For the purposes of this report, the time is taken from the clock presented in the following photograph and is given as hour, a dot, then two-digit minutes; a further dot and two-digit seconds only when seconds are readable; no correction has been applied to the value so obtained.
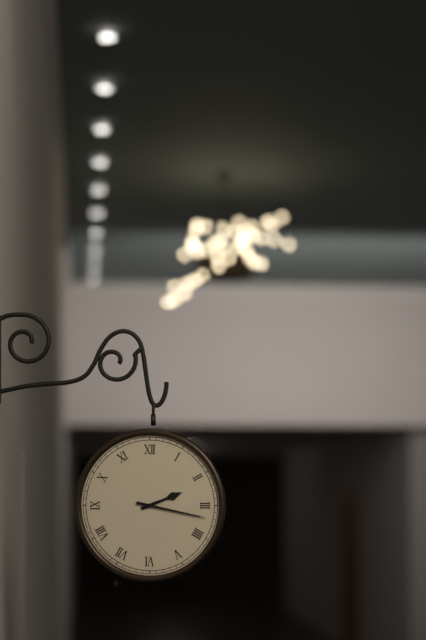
2.17
